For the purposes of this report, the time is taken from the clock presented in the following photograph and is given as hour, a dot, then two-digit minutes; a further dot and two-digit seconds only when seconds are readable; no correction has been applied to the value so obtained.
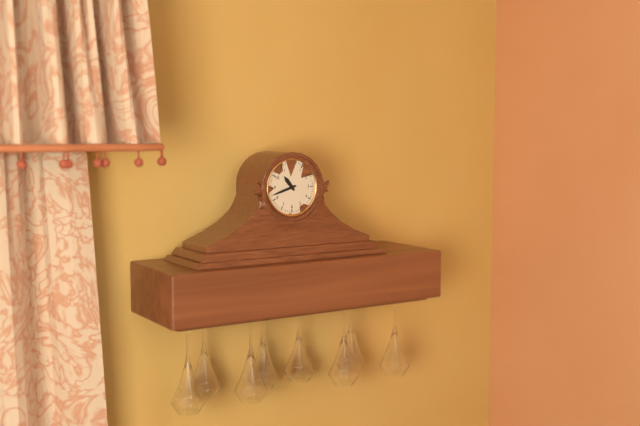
10.42
